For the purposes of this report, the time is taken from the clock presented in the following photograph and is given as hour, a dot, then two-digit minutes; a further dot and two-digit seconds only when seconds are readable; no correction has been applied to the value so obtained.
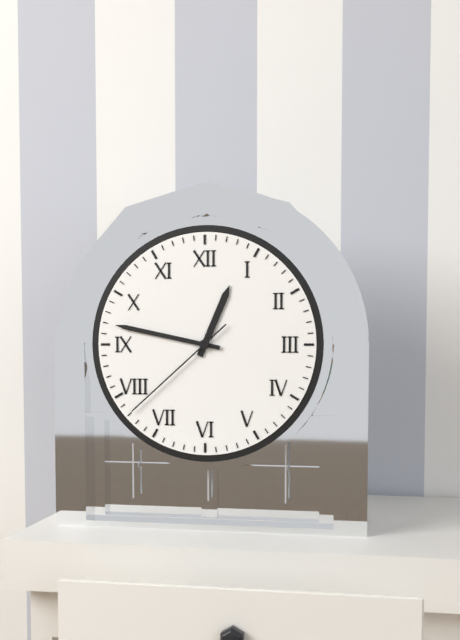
12.47.38
